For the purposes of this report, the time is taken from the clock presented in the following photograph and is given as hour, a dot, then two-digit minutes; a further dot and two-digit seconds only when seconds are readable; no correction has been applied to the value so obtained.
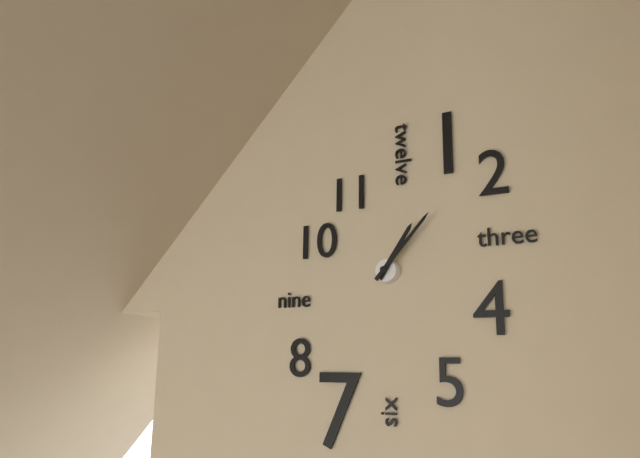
1.07
